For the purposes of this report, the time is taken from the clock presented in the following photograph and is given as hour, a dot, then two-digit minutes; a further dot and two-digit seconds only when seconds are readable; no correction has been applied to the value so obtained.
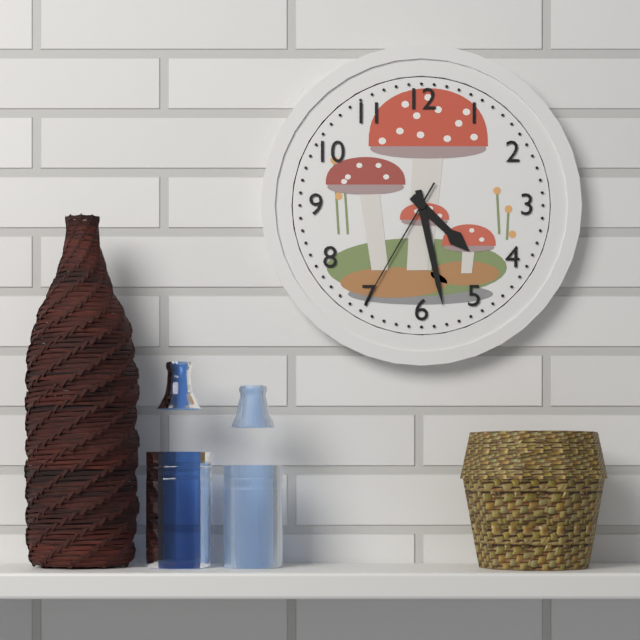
4.28.35
